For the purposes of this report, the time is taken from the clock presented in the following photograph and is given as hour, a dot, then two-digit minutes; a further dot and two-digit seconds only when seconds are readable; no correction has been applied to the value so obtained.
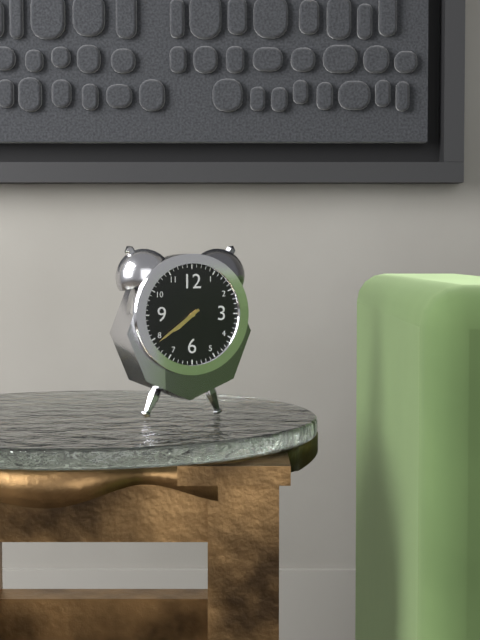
7.39
